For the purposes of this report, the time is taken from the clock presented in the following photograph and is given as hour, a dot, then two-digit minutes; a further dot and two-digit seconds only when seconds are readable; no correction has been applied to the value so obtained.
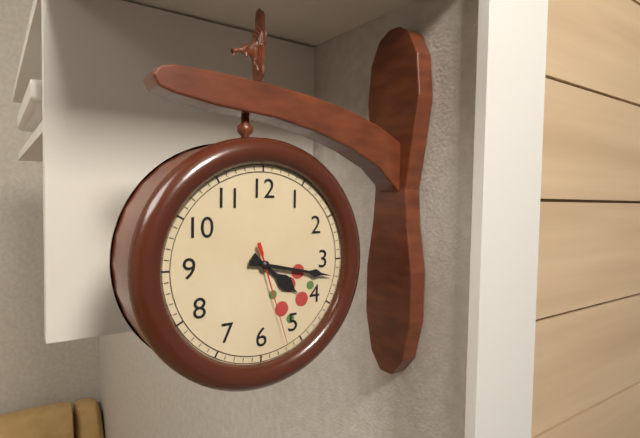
4.17.27
